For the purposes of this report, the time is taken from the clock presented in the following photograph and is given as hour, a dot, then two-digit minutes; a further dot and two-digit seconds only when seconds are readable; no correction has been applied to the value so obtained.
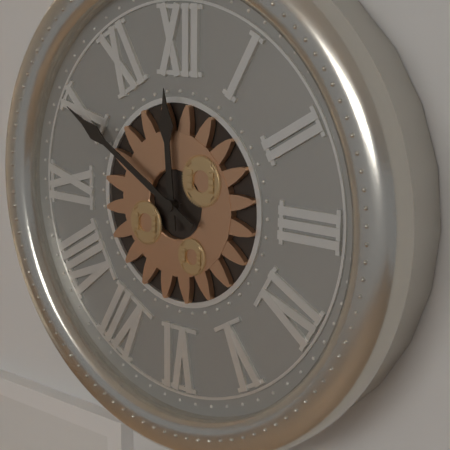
11.50
